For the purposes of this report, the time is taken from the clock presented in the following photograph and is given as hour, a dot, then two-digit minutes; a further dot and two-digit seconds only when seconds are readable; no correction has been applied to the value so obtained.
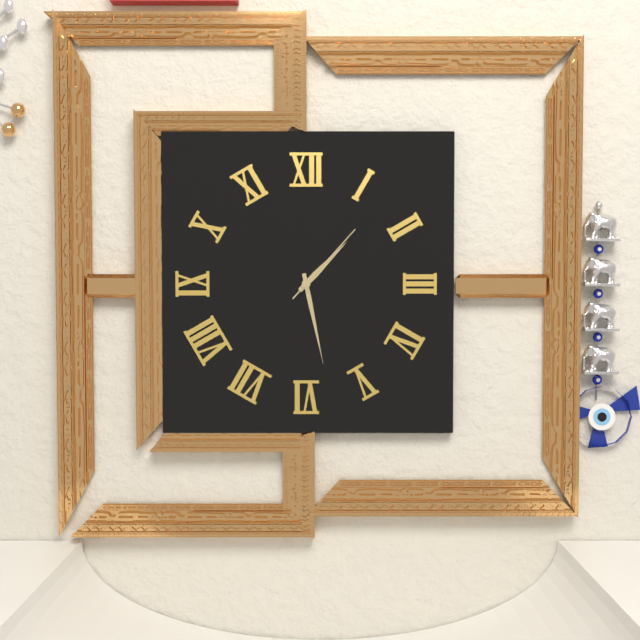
1.28.07
